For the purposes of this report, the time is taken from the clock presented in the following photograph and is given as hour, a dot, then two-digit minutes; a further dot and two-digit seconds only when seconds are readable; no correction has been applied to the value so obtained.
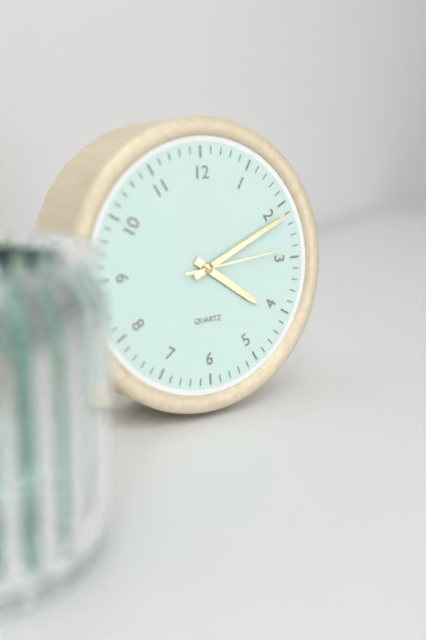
4.11.14
